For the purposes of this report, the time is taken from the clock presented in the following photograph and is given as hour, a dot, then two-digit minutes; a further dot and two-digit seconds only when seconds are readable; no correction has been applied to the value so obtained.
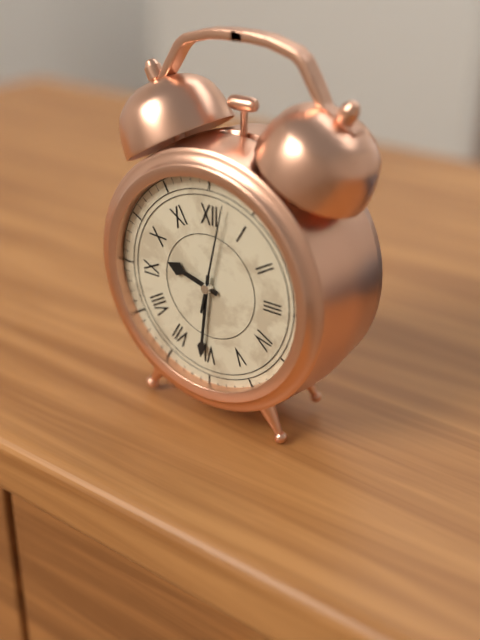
9.31.02
